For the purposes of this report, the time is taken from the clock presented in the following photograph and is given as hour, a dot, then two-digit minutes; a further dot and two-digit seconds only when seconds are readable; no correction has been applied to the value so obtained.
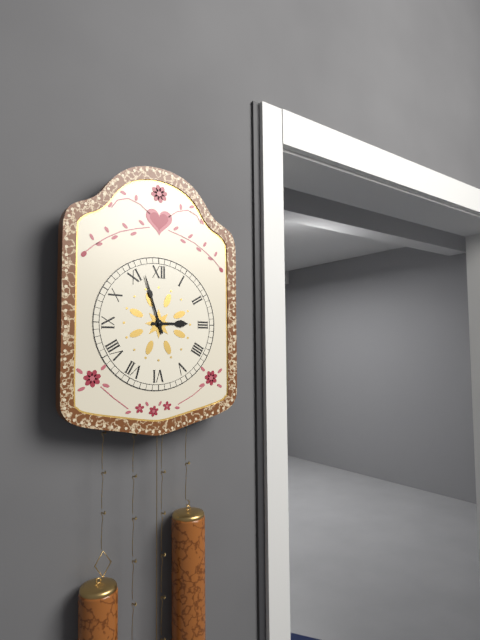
2.57
